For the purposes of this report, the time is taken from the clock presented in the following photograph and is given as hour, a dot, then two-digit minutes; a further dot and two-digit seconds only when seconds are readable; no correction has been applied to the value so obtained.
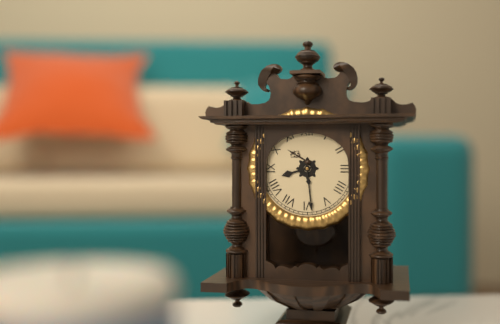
8.29
